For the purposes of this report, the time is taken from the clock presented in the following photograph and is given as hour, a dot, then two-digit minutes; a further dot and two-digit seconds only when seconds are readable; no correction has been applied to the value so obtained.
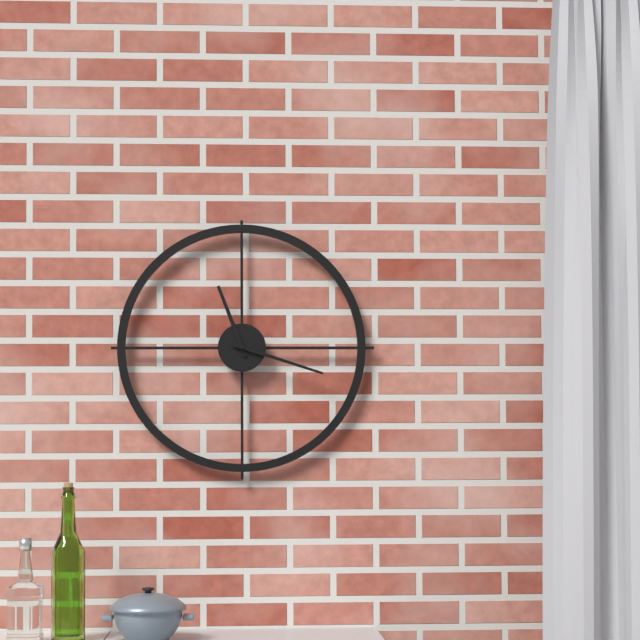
11.18
